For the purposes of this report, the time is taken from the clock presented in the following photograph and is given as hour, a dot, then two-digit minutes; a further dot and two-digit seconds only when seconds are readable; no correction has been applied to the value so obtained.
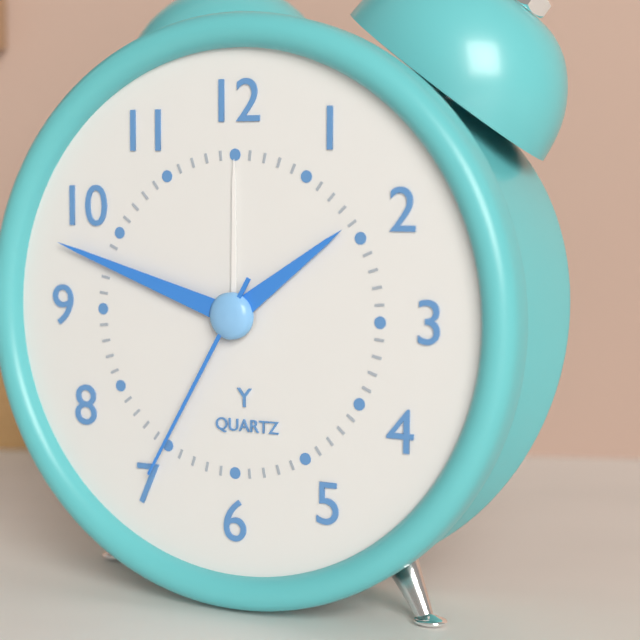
1.48.35
